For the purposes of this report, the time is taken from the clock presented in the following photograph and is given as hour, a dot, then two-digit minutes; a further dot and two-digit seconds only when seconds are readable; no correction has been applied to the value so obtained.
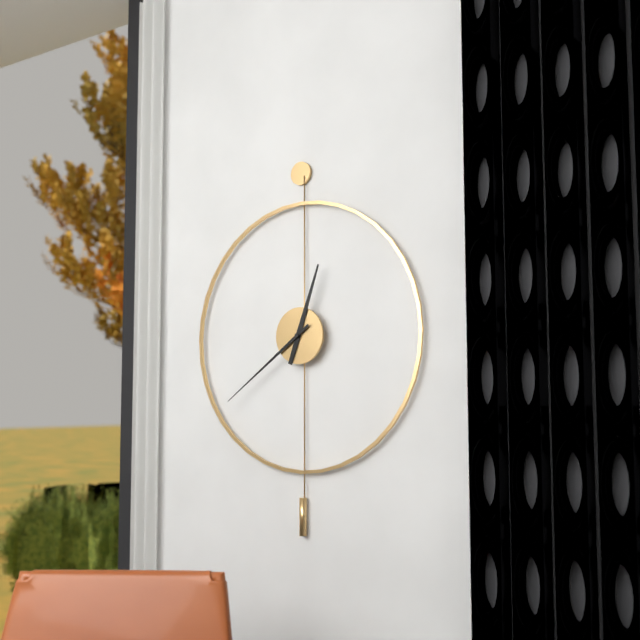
12.39
